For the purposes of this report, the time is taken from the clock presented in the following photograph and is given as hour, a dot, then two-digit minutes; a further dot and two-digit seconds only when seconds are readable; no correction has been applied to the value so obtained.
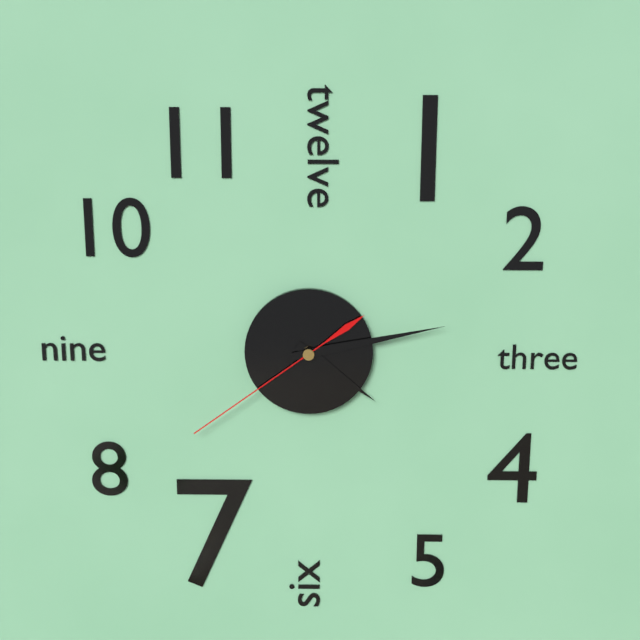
4.13.39
